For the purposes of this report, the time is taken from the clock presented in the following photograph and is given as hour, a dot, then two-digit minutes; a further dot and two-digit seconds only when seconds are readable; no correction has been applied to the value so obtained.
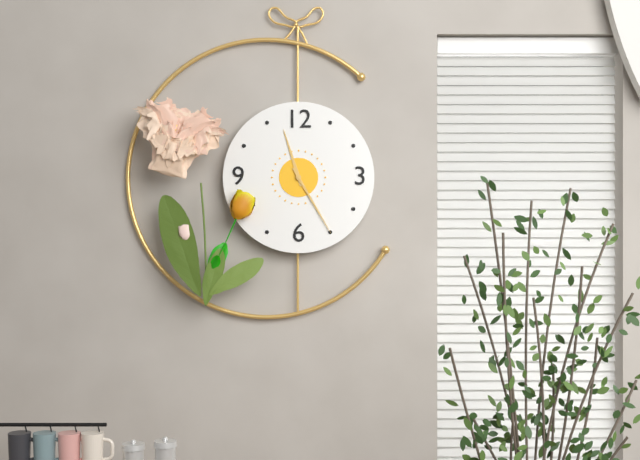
11.25
